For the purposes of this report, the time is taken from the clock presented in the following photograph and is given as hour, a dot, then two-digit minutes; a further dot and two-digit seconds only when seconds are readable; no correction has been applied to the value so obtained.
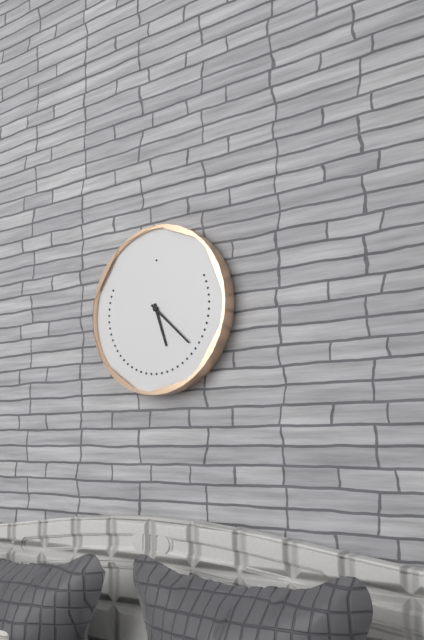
5.22
